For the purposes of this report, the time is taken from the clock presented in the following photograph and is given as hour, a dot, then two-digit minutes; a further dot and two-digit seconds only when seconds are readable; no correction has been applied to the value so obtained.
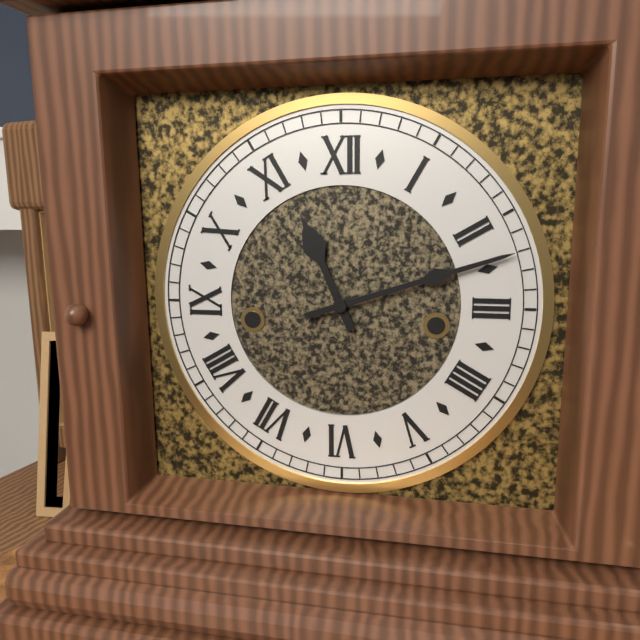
11.12
